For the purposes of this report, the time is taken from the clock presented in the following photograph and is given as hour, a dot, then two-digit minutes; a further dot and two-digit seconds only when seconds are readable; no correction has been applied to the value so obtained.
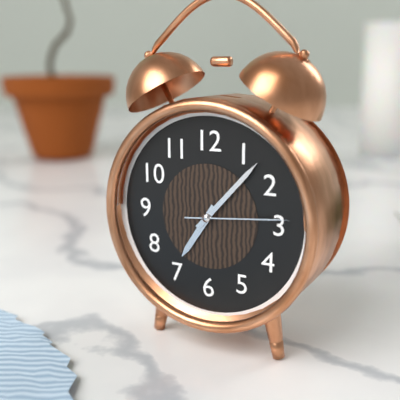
7.07.14
